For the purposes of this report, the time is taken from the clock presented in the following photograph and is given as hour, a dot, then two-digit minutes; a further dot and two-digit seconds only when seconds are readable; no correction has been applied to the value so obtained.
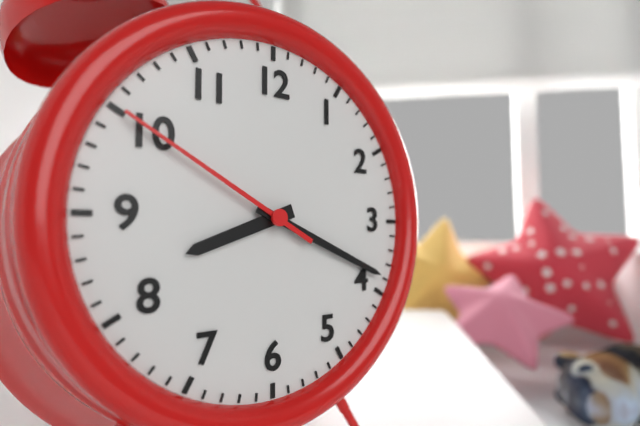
8.19.50
